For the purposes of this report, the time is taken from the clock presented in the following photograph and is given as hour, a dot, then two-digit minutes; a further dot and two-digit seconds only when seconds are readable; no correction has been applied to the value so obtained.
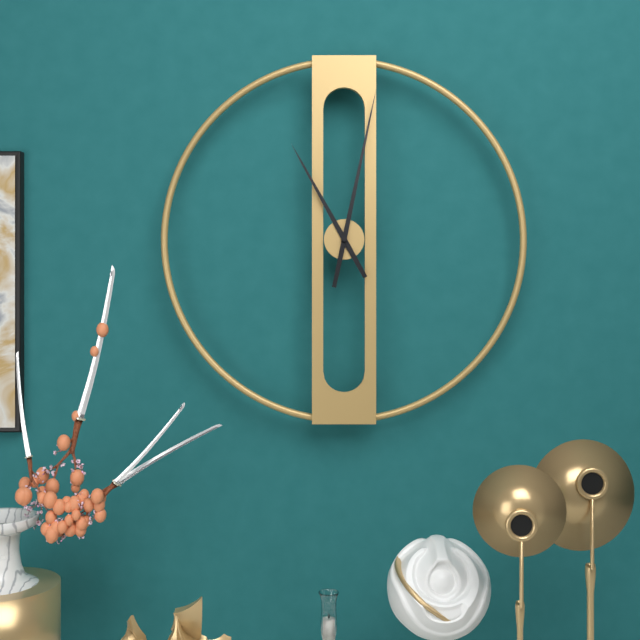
11.02
